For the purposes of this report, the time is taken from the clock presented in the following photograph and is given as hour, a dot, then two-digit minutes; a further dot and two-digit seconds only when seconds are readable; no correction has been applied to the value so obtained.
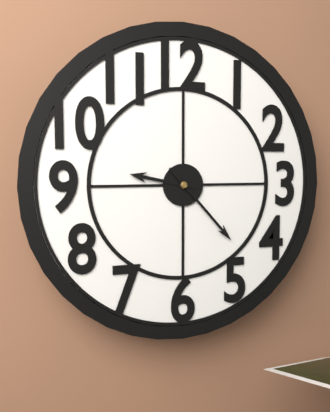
9.23
